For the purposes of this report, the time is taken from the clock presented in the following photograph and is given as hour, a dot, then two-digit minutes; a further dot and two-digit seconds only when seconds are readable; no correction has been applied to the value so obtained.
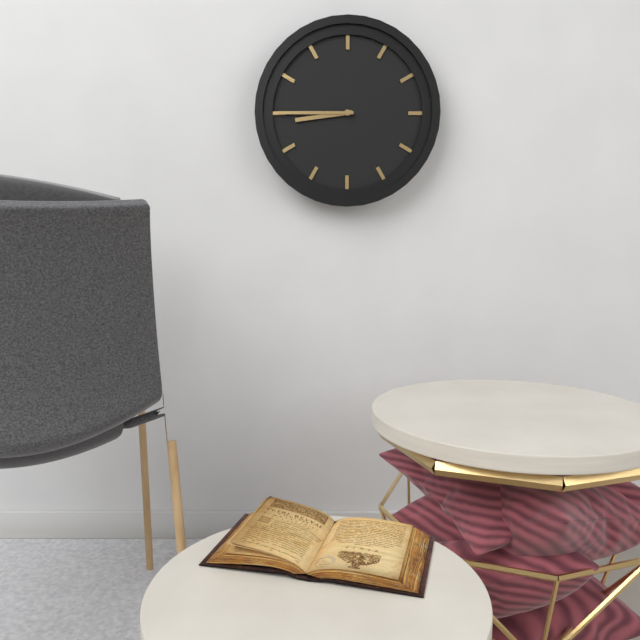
8.45
